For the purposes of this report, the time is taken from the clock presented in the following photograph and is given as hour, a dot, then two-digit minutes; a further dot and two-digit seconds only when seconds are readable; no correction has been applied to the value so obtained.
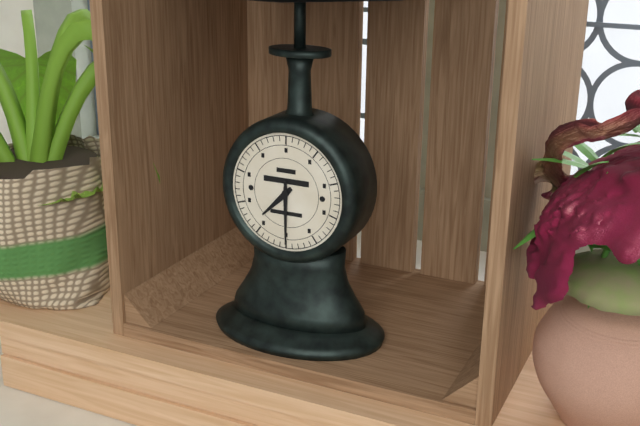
7.30
